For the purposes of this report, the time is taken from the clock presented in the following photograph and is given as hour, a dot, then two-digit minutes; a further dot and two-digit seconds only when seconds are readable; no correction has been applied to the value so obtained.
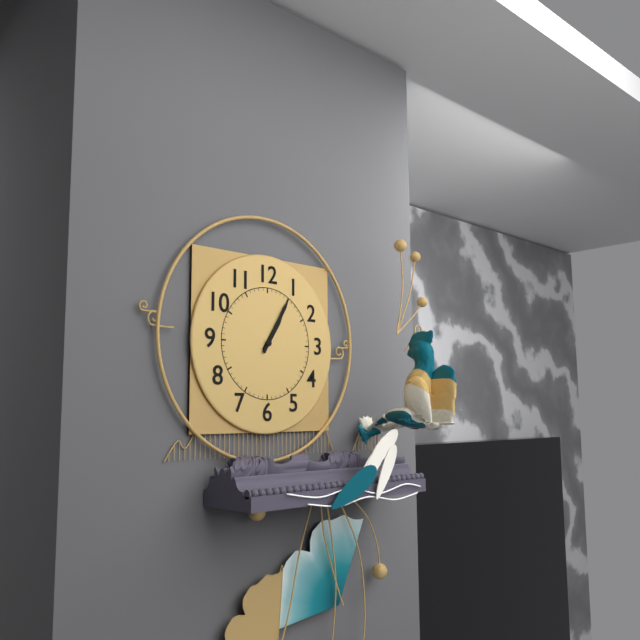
1.05
